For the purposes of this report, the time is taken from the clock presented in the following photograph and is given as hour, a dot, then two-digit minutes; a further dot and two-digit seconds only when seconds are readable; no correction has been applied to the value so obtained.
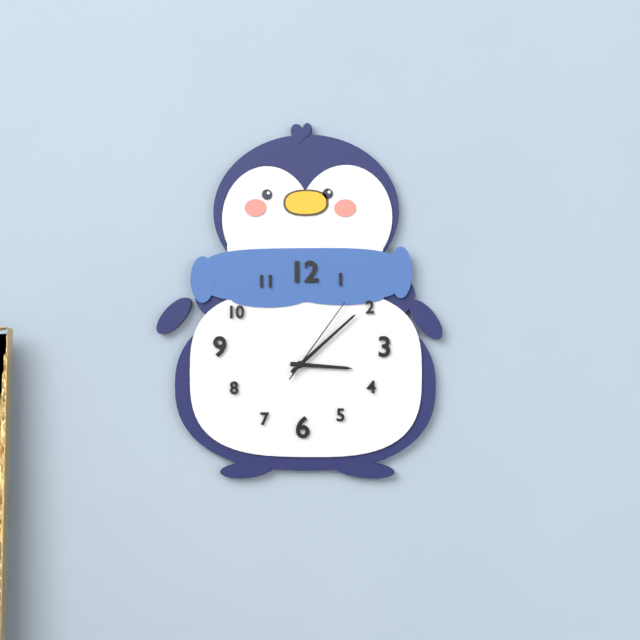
3.08.06
